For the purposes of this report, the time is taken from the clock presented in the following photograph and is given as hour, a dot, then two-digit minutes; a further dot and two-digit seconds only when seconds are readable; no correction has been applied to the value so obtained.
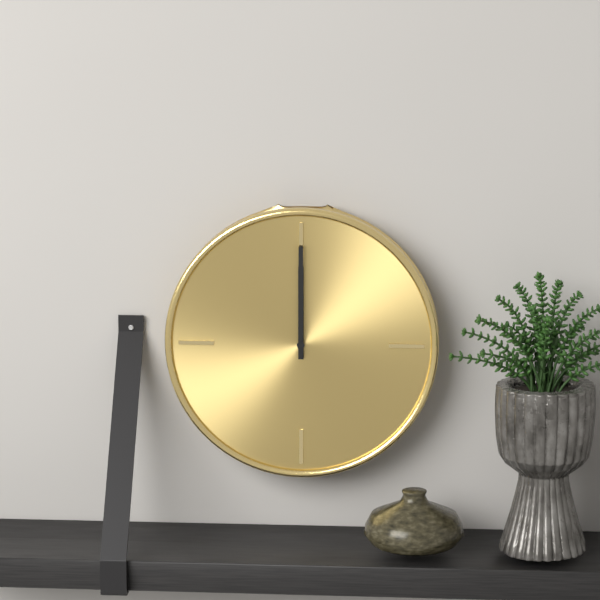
12.00
